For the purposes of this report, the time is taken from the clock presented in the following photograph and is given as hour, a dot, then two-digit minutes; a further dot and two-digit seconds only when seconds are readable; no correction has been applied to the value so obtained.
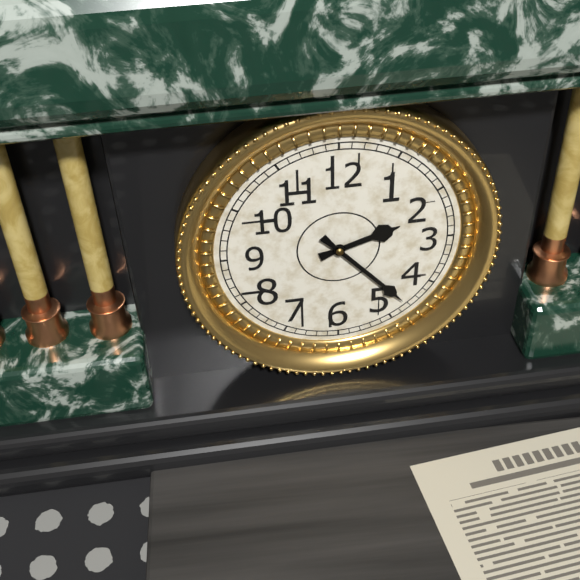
2.23
